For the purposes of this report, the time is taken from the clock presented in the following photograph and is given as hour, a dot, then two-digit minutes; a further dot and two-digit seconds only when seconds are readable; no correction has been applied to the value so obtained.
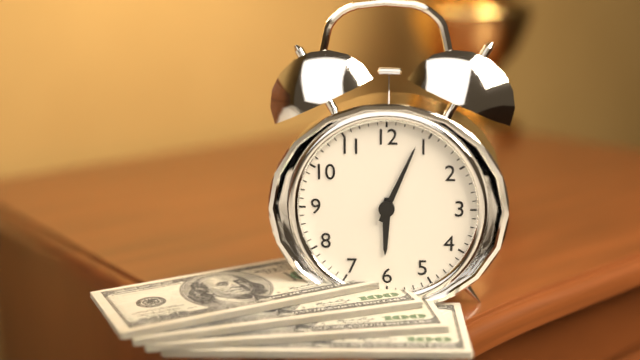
6.04
